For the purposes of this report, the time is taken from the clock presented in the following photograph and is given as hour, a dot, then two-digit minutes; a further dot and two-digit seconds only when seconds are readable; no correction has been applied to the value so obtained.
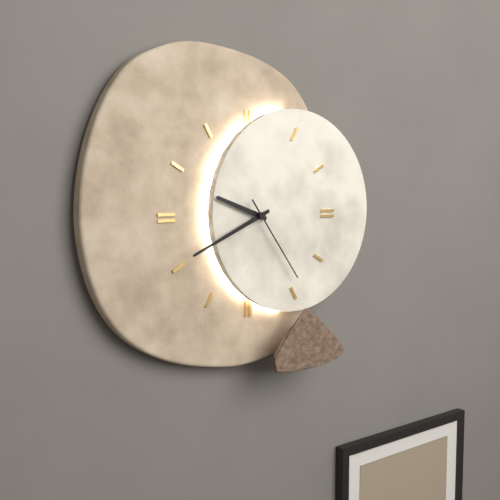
9.41.24
